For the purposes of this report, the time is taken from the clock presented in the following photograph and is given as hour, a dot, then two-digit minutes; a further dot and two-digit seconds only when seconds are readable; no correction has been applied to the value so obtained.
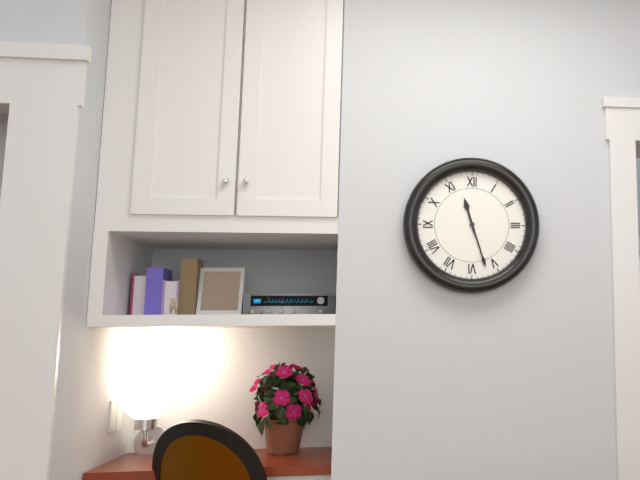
11.27
